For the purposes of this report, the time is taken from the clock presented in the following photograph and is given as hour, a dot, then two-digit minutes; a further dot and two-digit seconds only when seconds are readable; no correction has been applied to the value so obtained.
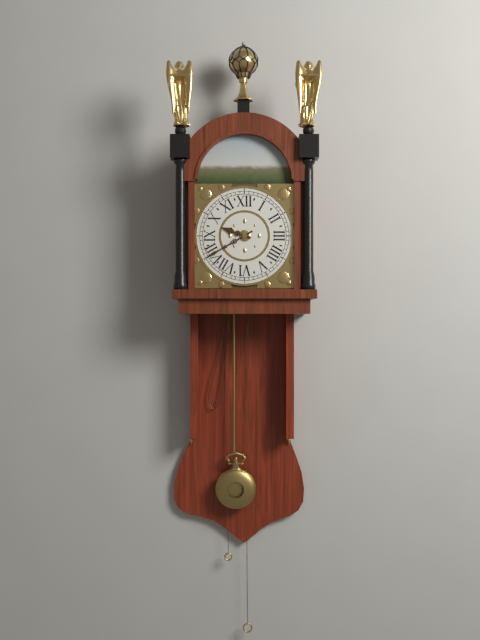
9.40
